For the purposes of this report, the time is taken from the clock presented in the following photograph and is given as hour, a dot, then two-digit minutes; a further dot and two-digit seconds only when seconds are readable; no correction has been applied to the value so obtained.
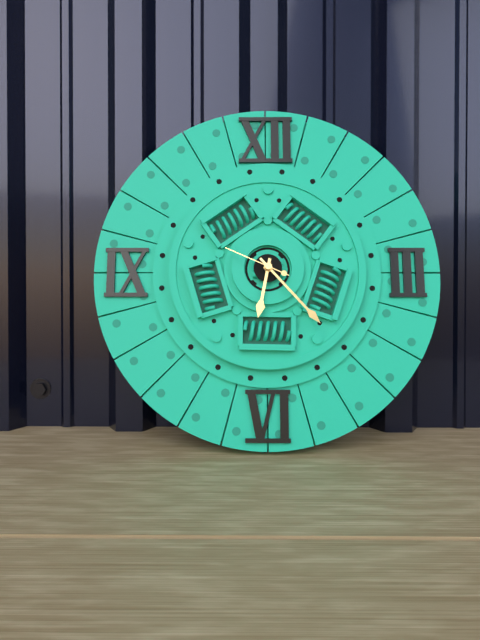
6.23.49
